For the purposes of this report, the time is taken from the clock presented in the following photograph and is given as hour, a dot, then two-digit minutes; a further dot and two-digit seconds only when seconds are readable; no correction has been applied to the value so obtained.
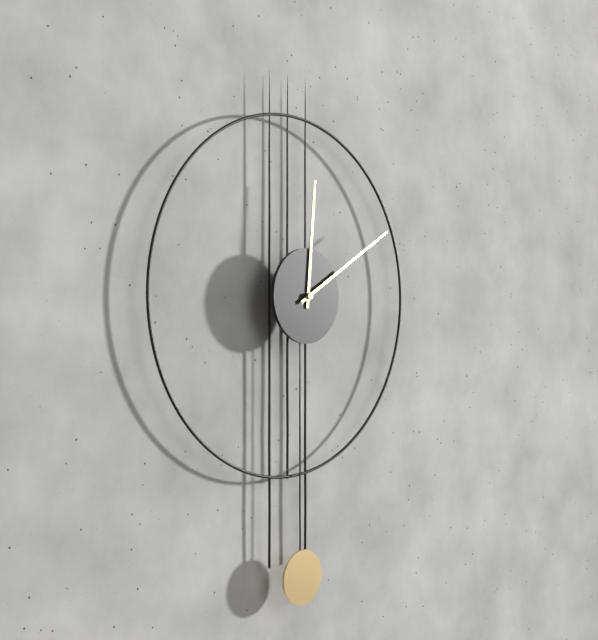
12.10
